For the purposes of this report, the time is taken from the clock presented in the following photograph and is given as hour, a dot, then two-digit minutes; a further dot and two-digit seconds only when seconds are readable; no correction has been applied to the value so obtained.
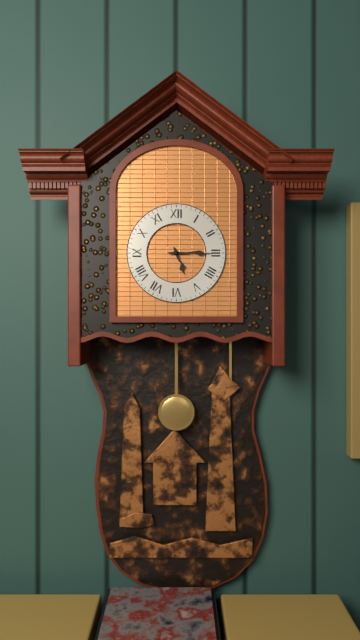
5.15
